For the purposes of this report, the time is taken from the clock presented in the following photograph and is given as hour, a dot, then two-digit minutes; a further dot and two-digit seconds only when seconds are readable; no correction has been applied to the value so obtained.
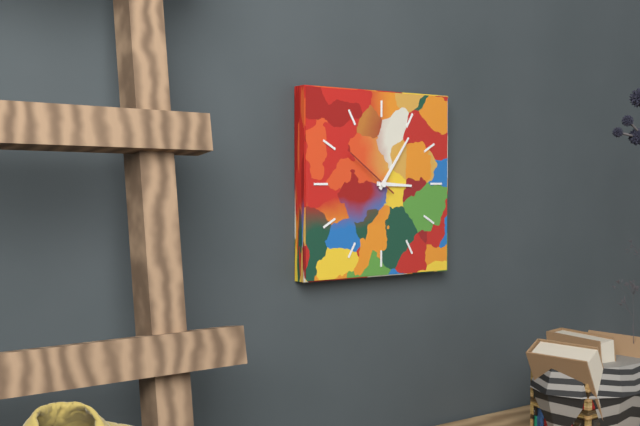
3.06.51
